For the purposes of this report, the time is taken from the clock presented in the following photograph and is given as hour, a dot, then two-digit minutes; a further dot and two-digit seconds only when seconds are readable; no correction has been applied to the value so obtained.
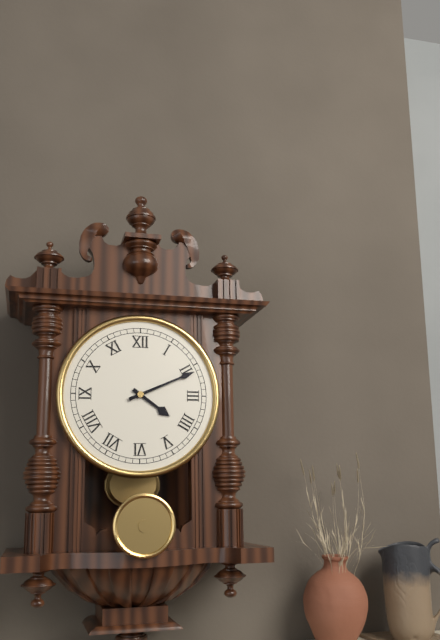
4.11
